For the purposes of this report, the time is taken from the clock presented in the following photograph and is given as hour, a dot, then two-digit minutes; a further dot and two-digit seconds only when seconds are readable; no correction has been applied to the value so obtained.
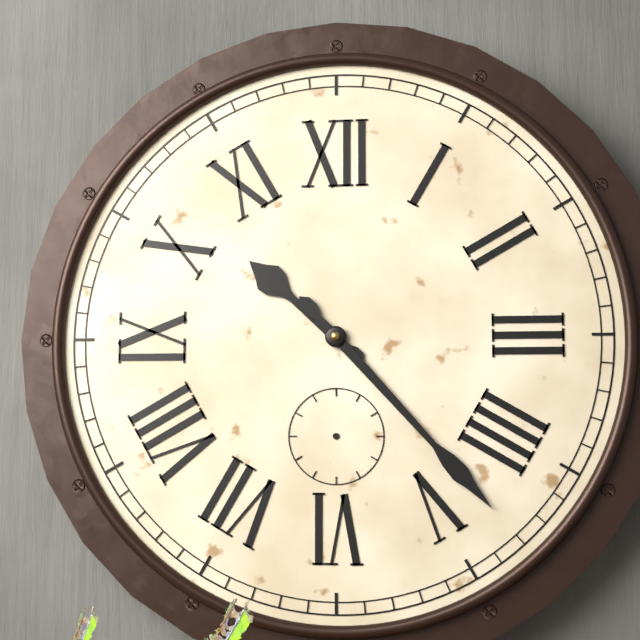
10.23
